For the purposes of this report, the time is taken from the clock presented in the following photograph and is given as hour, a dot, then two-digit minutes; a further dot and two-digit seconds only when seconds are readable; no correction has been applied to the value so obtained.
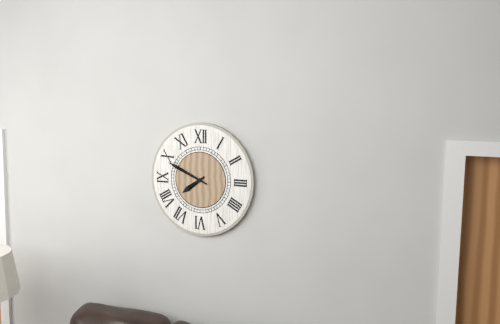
7.49
